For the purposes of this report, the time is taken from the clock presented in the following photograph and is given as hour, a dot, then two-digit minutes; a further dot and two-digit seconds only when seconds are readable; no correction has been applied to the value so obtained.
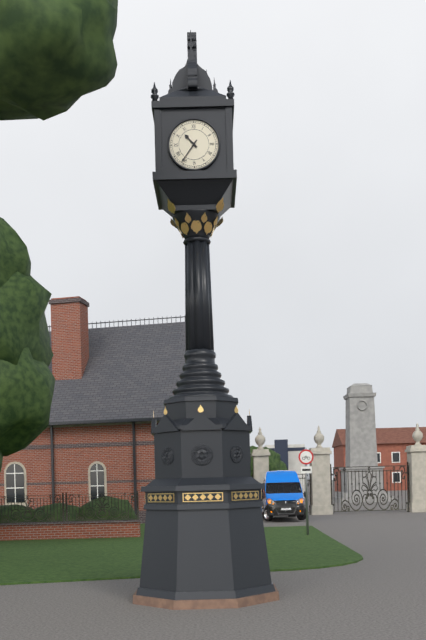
10.36
